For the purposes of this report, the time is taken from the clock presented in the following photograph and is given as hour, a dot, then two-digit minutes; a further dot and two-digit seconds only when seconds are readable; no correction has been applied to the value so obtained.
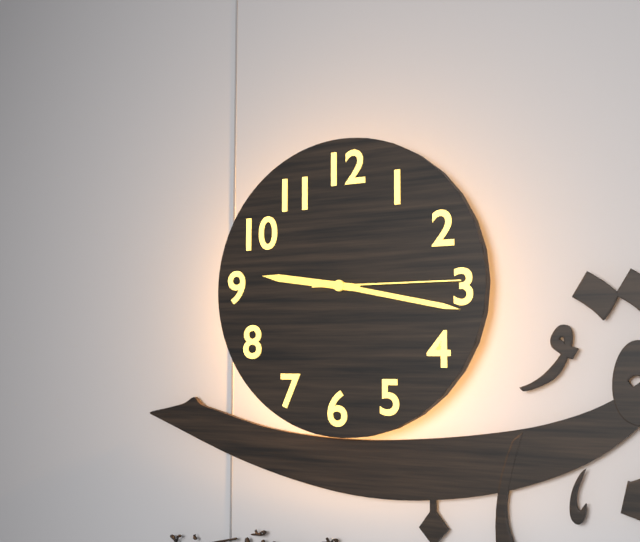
9.17.15
